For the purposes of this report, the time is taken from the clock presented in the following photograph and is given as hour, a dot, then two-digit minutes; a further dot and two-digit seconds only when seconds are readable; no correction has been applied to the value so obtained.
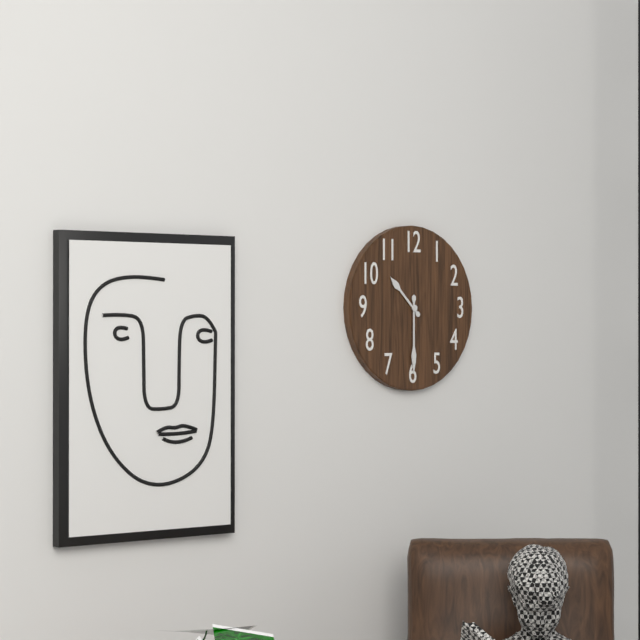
10.30
